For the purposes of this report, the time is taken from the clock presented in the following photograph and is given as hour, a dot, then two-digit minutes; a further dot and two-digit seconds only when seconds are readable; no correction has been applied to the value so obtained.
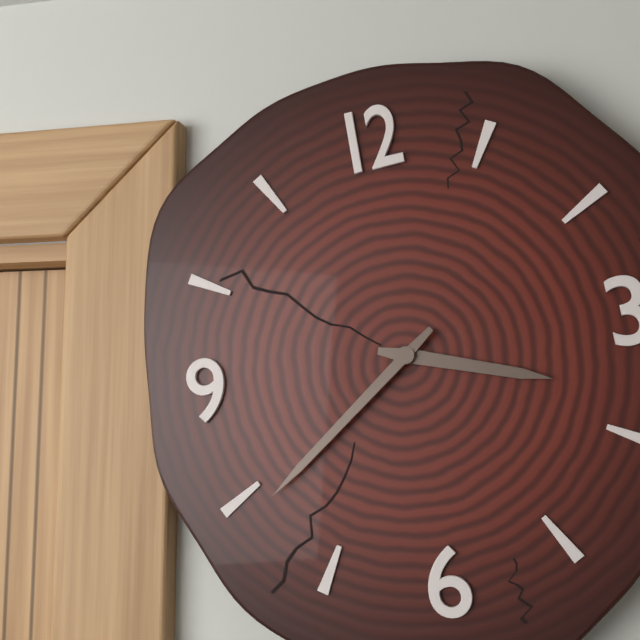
3.39
